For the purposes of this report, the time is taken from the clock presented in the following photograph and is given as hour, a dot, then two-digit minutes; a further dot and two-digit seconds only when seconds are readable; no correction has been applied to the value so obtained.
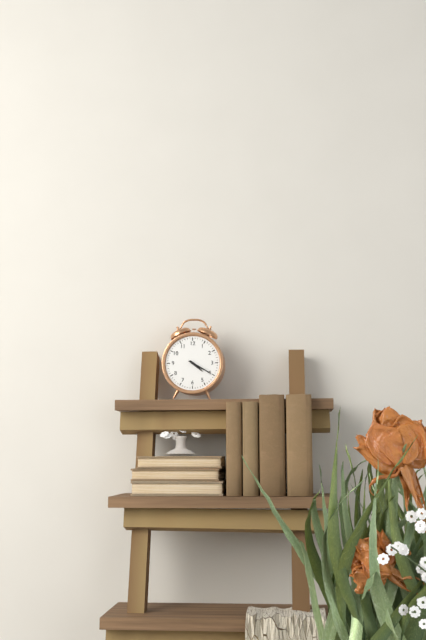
4.20
